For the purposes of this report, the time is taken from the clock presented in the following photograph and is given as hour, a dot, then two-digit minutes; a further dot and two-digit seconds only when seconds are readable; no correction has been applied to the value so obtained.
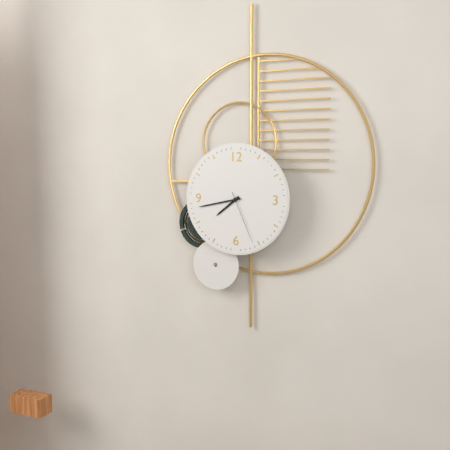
7.43.26
